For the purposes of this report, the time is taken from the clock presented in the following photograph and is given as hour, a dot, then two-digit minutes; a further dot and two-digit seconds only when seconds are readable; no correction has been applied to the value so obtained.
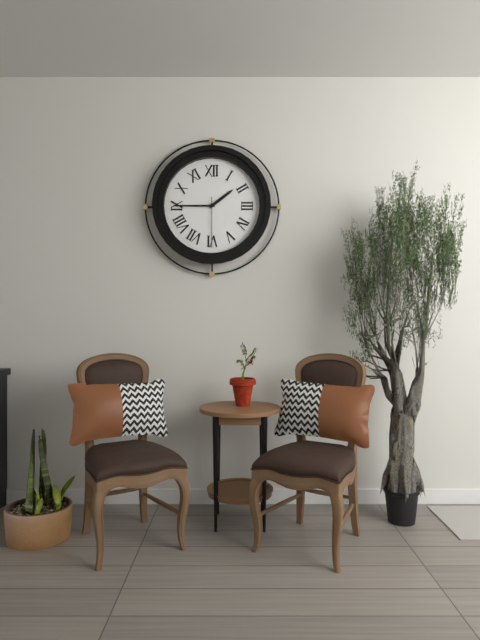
1.45.30
